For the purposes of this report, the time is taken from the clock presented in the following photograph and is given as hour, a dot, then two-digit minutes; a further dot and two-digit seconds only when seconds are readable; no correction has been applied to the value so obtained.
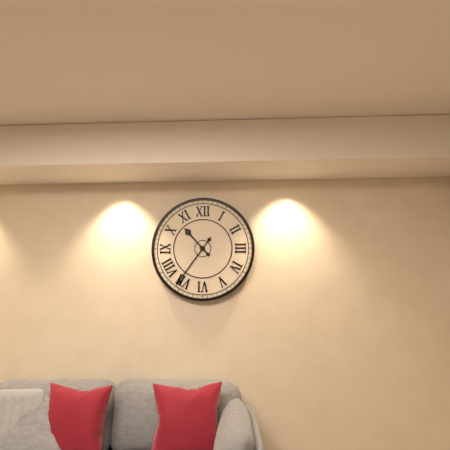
10.36
